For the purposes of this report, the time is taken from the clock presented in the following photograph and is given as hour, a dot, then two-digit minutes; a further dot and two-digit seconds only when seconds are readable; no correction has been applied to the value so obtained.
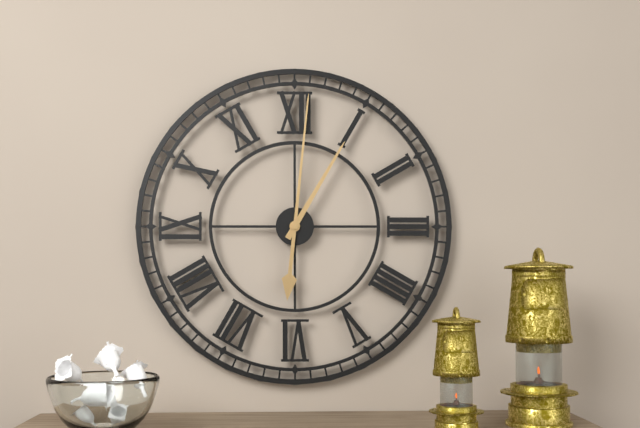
1.01
